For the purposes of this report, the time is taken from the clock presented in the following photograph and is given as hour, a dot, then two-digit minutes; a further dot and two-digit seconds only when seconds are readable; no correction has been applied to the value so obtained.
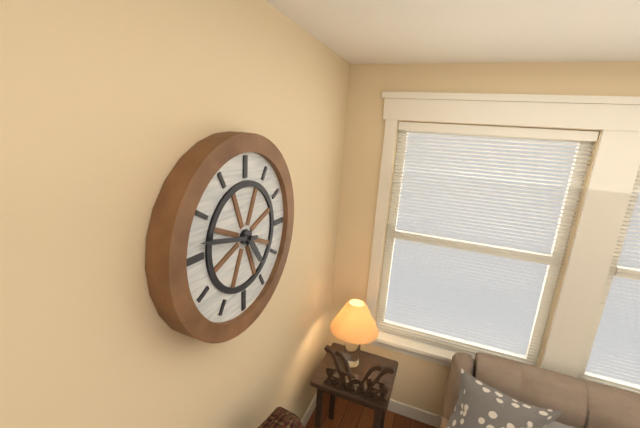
4.47
